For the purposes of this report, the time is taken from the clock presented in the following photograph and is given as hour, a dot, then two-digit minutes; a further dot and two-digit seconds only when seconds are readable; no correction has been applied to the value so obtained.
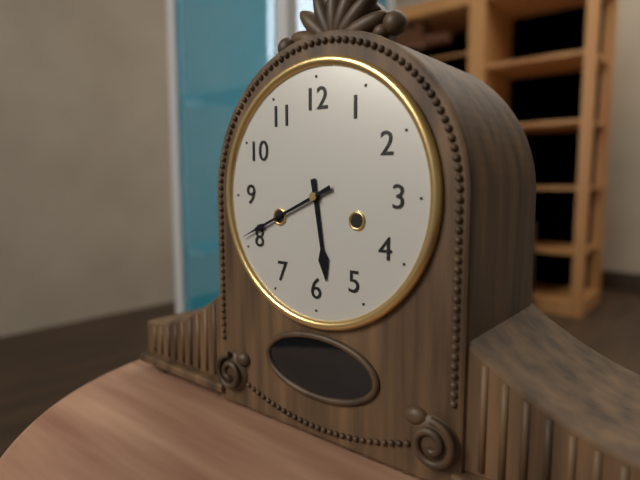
5.41
